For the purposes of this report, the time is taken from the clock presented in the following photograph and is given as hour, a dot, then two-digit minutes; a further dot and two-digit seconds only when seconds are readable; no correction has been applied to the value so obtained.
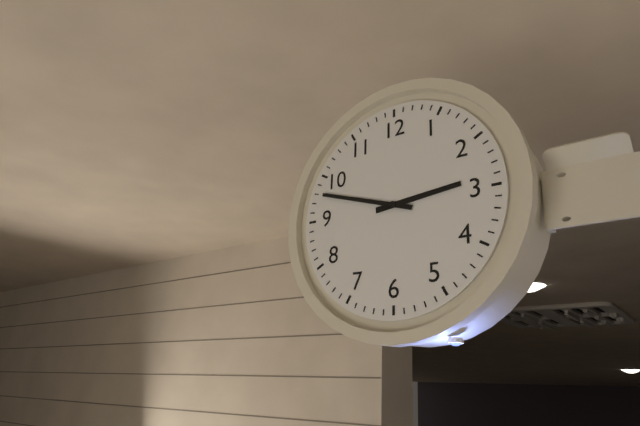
2.48
